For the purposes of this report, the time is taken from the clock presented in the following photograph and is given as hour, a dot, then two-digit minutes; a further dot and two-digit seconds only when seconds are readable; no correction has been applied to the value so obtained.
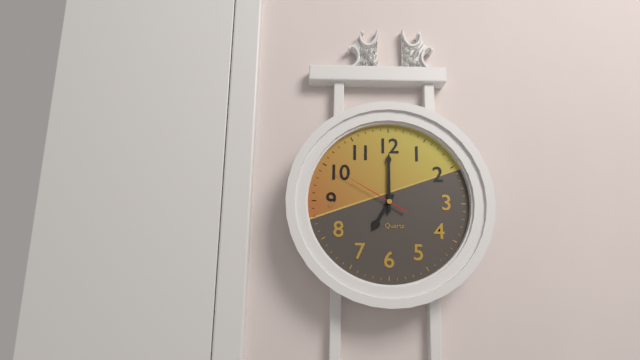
7.00.50
